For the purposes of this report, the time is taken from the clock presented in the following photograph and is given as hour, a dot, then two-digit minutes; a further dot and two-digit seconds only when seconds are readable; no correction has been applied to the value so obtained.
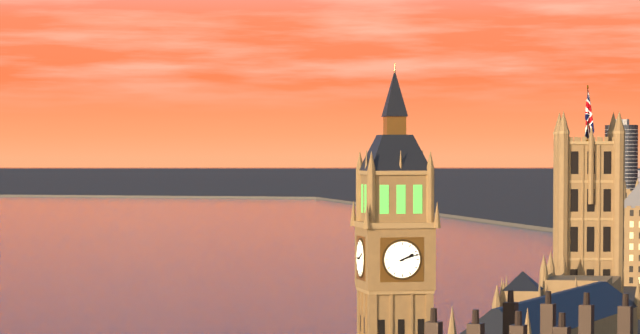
2.12
